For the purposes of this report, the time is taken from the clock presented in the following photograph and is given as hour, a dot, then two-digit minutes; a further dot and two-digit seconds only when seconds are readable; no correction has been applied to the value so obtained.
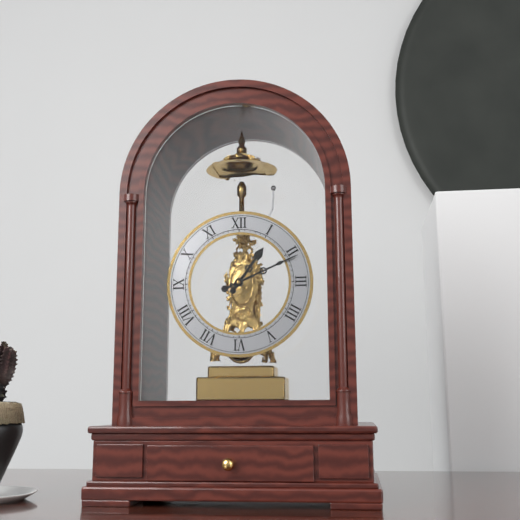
1.11
